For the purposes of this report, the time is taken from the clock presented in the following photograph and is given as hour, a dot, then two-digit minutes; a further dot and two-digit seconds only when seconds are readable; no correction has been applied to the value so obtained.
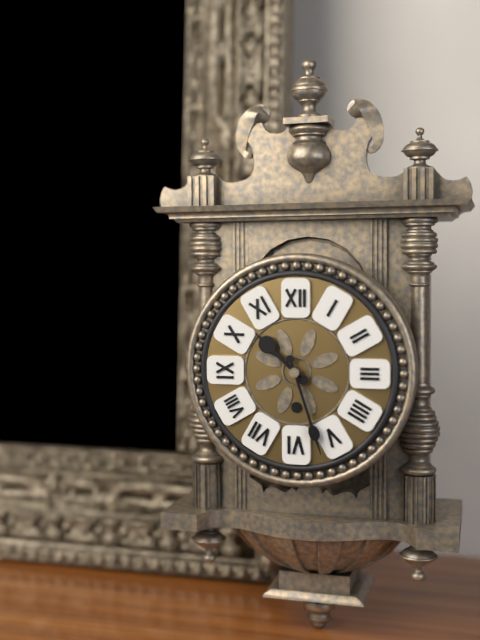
10.27
